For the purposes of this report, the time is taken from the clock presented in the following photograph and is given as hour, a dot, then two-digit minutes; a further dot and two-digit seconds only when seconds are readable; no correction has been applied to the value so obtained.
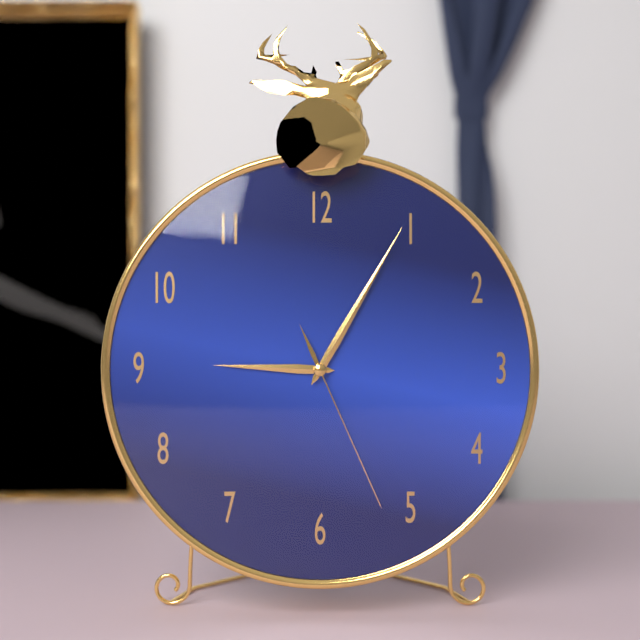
9.05.26
